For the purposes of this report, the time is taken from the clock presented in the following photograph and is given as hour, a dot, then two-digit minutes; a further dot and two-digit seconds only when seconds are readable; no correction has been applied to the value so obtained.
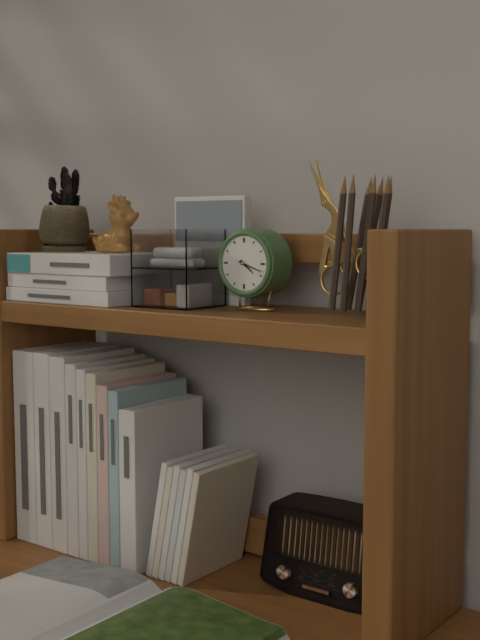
4.18
